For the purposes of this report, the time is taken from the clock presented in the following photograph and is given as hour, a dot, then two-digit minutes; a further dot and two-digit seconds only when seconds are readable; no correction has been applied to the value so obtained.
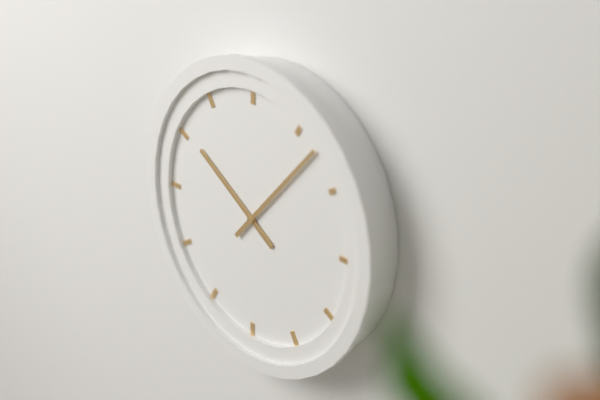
10.07
